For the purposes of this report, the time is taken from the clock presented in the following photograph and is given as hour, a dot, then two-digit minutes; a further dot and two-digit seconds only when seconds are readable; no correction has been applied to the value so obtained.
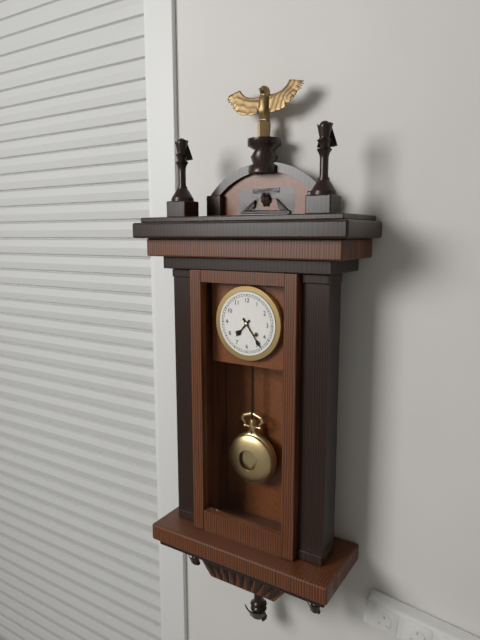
7.24
